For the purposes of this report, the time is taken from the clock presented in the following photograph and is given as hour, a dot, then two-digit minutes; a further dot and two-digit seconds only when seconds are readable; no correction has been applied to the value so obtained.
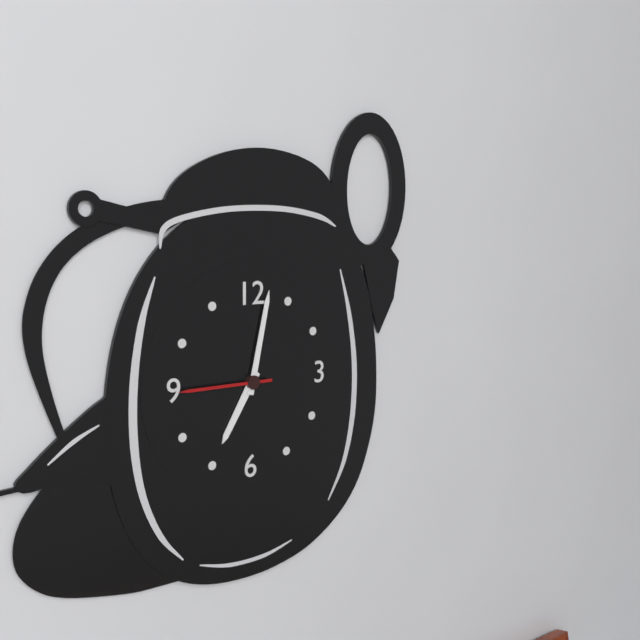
7.02.45
